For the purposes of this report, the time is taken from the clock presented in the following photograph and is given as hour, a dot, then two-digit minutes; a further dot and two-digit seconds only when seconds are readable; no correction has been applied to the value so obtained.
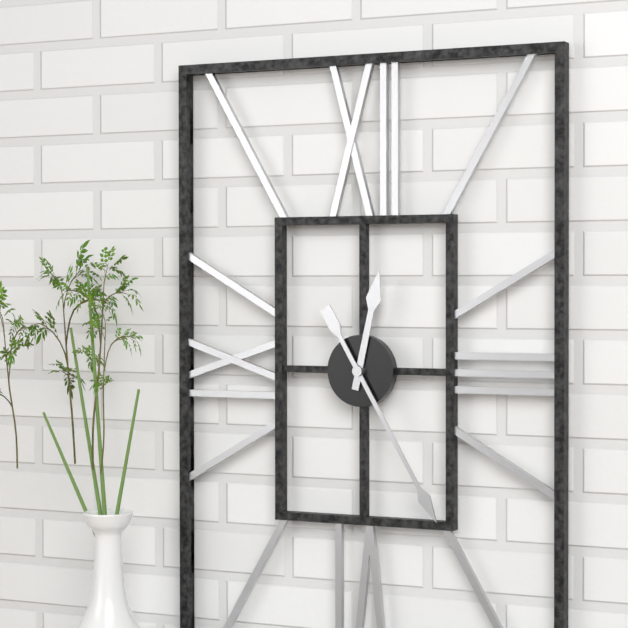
12.25
